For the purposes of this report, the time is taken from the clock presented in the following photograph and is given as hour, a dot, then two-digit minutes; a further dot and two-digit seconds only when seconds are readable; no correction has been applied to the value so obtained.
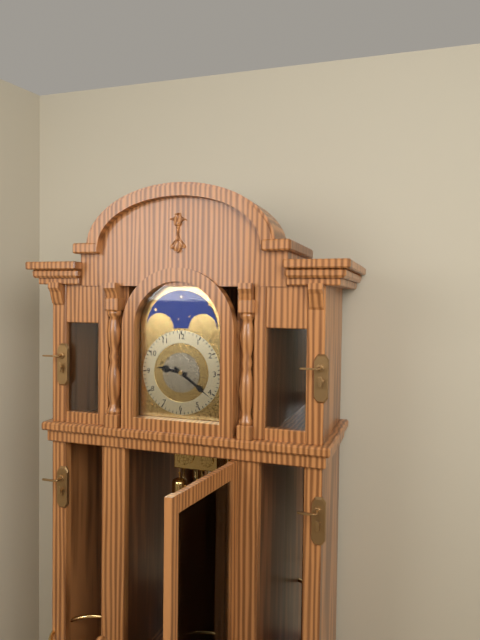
9.21
